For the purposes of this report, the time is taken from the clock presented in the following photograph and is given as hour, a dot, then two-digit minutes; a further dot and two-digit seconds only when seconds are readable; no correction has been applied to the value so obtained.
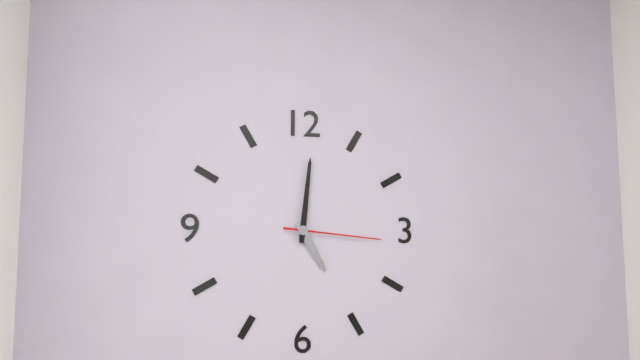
5.01.16
